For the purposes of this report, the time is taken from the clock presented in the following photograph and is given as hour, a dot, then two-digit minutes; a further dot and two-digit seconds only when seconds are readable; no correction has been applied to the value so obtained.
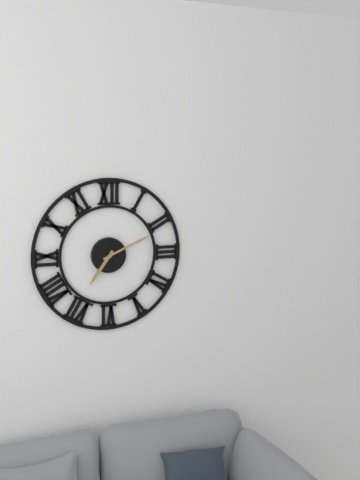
7.11
